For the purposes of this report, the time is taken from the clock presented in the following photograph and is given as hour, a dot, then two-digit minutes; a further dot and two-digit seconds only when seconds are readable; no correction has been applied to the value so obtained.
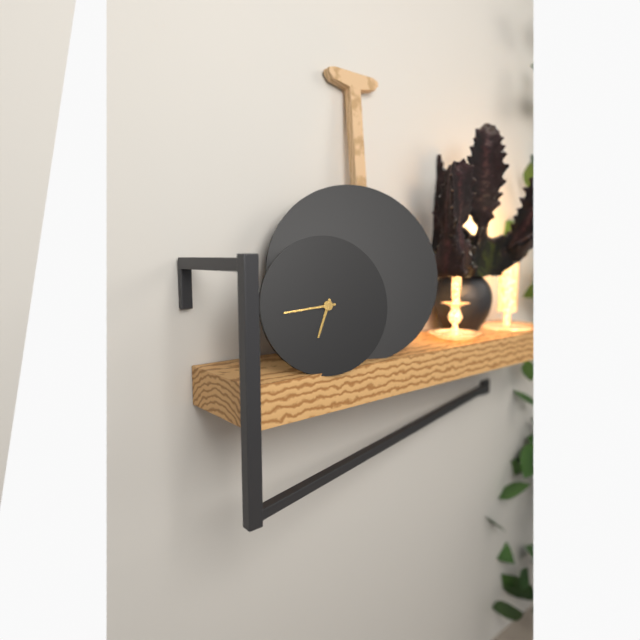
6.44
